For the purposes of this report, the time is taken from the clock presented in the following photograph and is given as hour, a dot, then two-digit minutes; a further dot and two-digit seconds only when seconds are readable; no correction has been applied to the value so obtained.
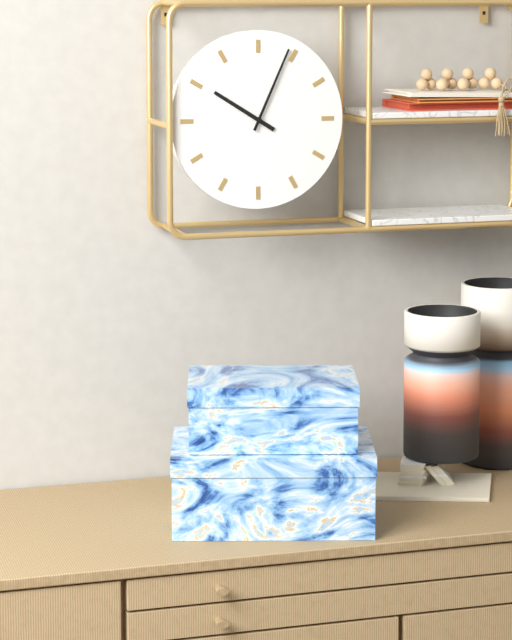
10.04
